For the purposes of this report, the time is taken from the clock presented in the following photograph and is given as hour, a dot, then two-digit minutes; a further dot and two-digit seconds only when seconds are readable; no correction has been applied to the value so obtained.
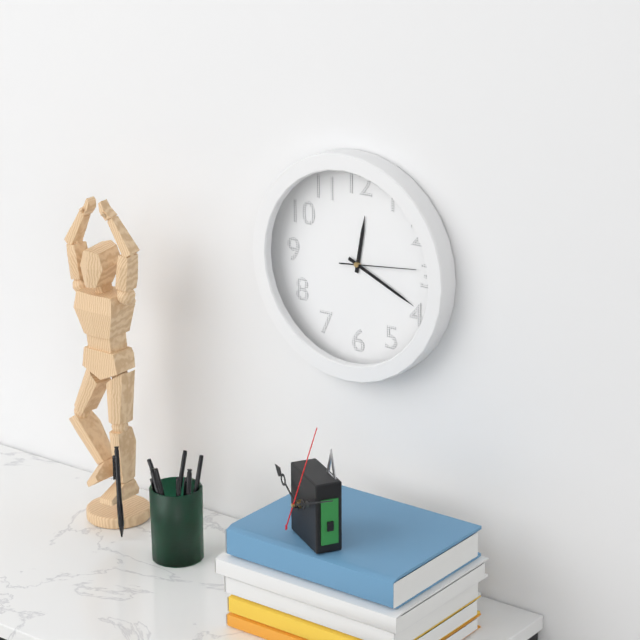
12.19.14
